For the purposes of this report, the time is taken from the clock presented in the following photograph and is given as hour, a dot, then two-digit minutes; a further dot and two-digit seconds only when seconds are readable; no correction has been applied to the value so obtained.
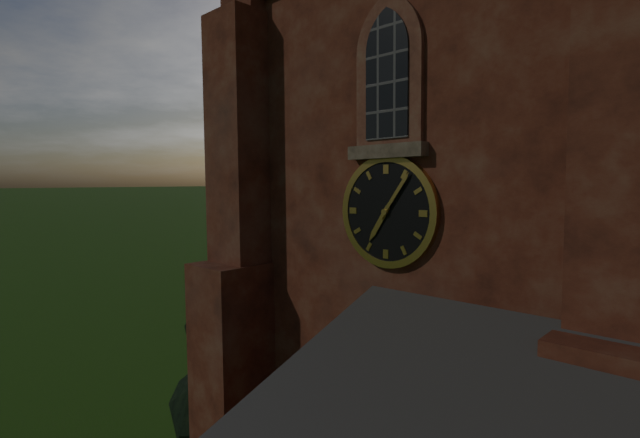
7.06
